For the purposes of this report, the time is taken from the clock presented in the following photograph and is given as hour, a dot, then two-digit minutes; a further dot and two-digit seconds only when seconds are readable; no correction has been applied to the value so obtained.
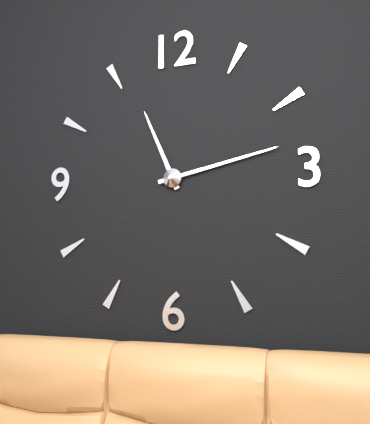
11.13
